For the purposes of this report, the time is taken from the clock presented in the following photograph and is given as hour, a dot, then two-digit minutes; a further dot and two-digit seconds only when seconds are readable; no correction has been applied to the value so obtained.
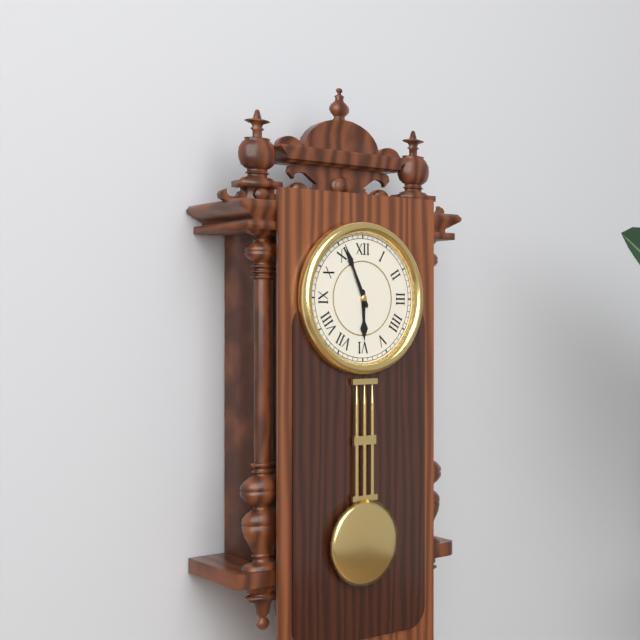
5.56
